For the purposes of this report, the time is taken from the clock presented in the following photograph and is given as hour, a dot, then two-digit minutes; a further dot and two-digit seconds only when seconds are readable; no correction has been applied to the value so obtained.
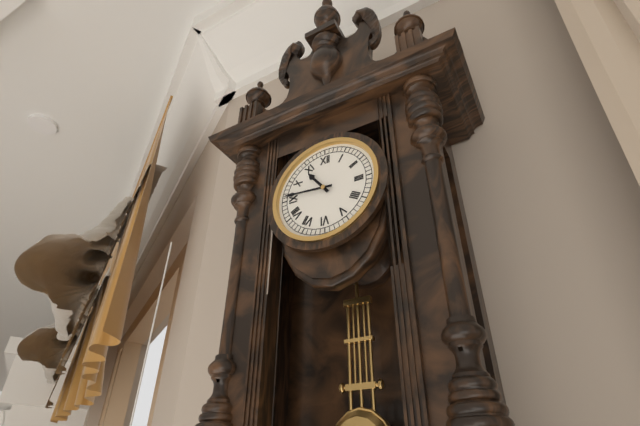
10.46
